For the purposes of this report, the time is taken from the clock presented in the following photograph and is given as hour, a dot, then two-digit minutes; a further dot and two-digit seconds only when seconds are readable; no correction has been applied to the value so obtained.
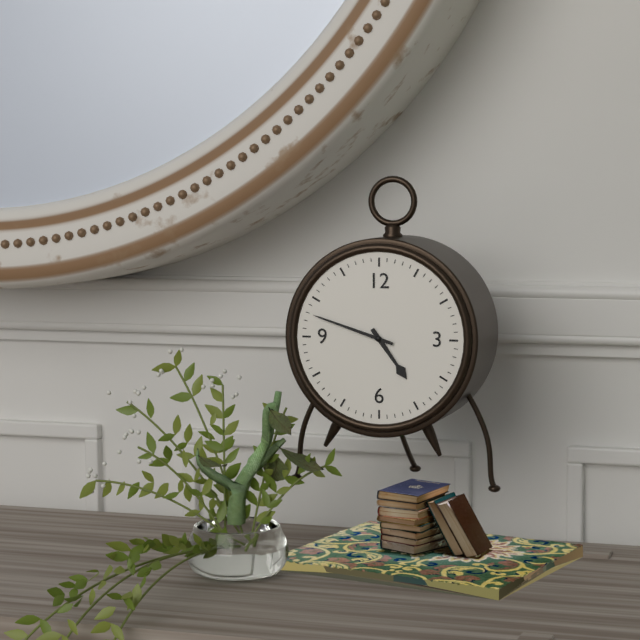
4.48
